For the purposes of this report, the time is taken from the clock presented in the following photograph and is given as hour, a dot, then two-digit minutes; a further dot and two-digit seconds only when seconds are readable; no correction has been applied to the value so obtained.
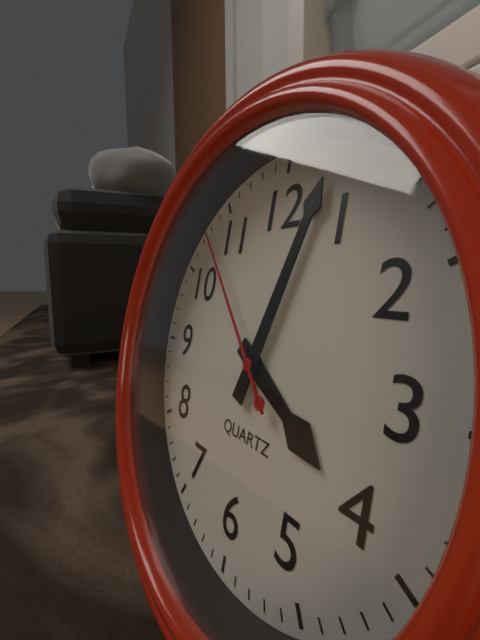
4.03.53
